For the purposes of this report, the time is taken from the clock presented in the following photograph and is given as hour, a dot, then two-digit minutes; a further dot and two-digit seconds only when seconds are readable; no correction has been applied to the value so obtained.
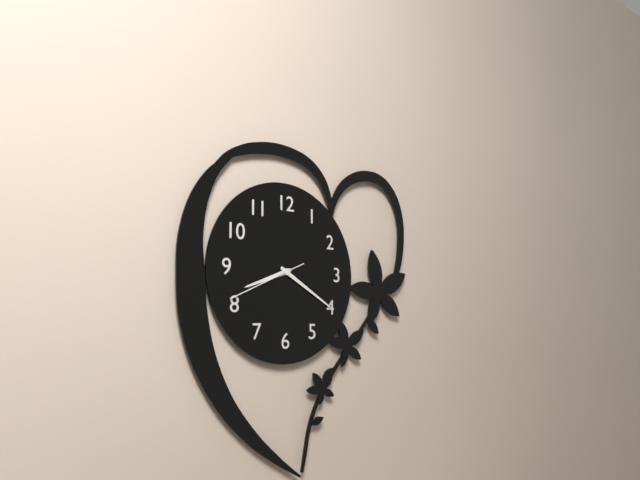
8.20.41
